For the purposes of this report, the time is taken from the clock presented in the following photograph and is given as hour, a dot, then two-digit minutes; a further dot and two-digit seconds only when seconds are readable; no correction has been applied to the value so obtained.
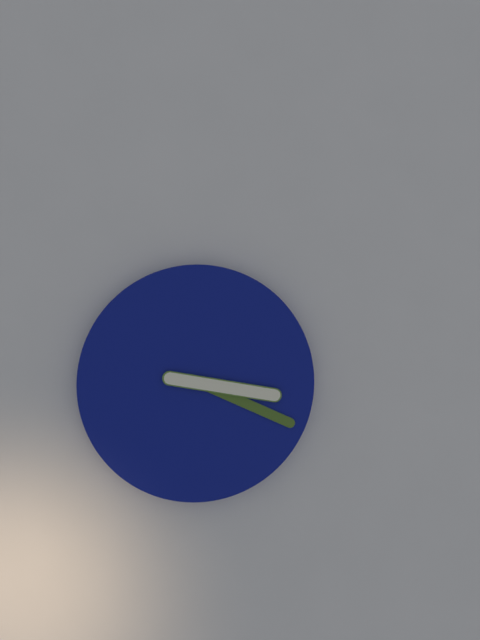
3.19
